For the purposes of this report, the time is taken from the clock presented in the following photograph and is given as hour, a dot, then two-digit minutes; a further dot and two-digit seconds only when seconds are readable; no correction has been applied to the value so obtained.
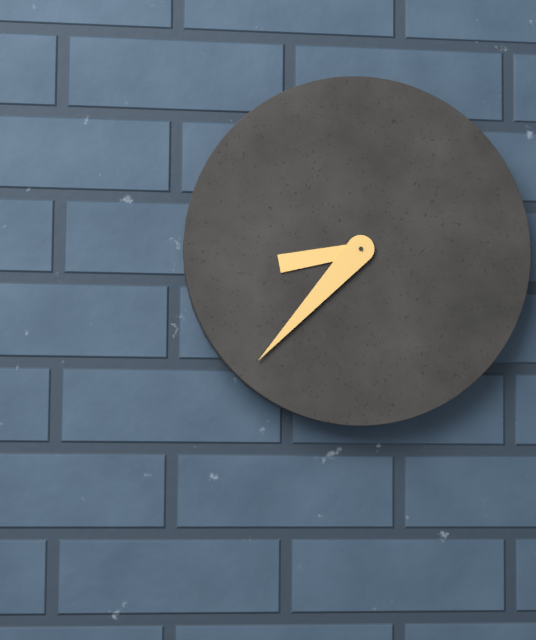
8.37
